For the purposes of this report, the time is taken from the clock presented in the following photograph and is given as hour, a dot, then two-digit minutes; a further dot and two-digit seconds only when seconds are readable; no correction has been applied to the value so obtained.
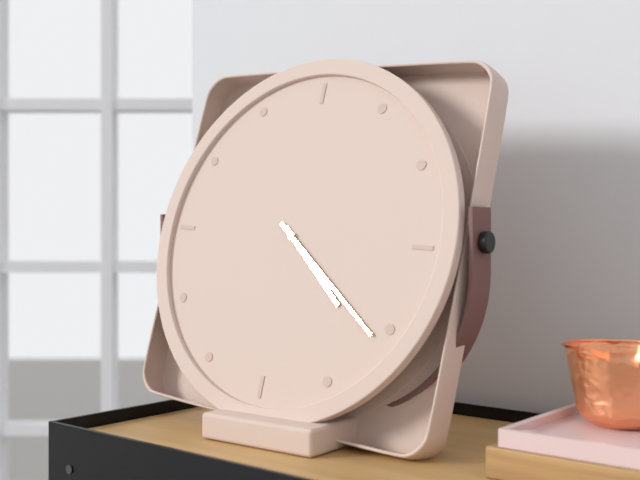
4.21
